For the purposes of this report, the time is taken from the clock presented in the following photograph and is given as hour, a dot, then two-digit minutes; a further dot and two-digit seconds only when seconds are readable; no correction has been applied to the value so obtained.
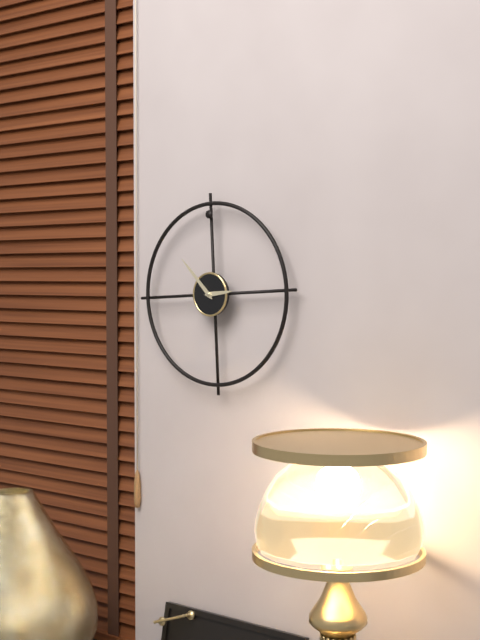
2.53
